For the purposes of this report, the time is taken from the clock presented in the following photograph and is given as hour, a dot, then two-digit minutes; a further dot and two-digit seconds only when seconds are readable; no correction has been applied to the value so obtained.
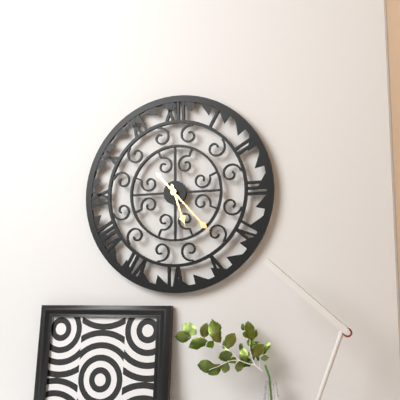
5.23
